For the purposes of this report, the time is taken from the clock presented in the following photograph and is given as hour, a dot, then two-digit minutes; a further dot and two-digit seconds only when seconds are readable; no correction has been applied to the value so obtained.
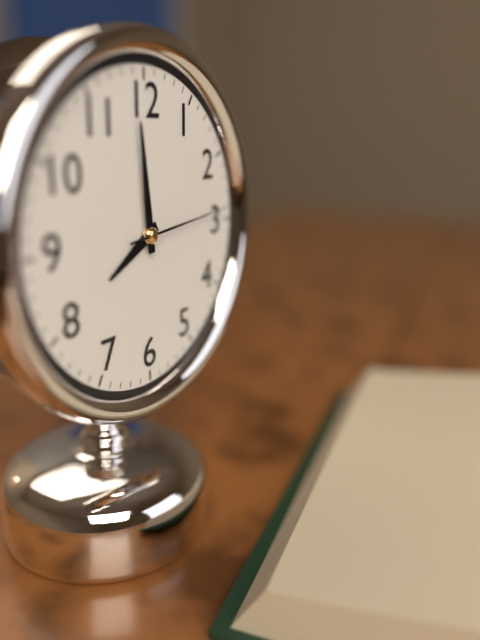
7.59.14
